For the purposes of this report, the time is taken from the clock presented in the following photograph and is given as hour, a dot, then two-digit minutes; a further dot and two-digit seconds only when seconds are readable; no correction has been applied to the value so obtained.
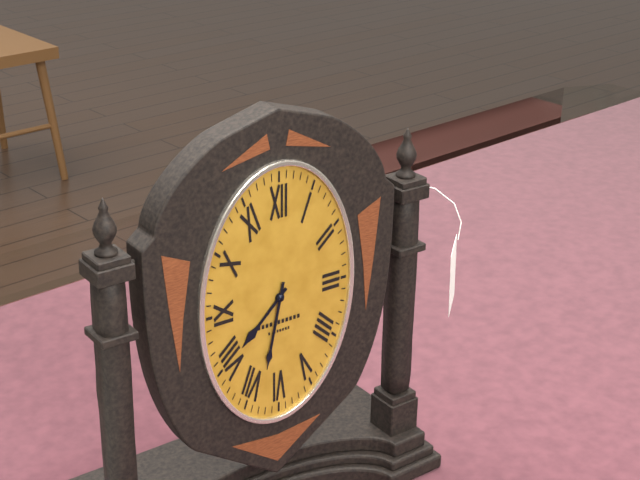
7.32
